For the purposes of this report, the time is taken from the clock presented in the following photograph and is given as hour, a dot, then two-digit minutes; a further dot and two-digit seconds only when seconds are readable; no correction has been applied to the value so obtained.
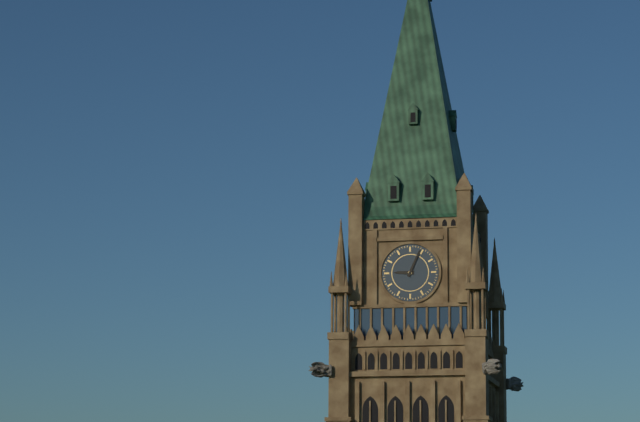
9.04
